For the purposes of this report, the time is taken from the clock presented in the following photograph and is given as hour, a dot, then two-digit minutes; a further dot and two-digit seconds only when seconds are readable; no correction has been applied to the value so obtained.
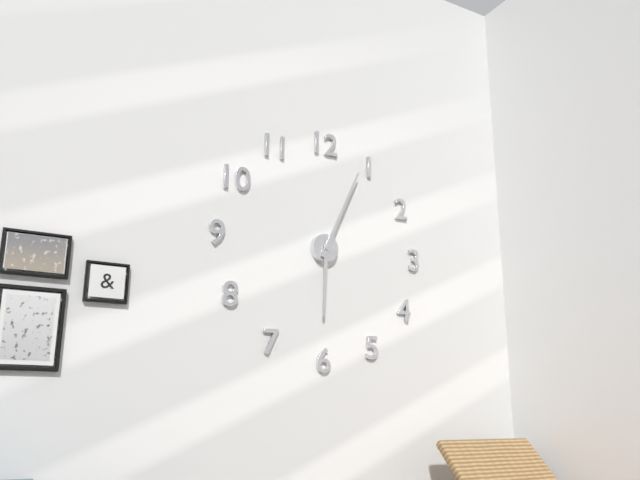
6.04
